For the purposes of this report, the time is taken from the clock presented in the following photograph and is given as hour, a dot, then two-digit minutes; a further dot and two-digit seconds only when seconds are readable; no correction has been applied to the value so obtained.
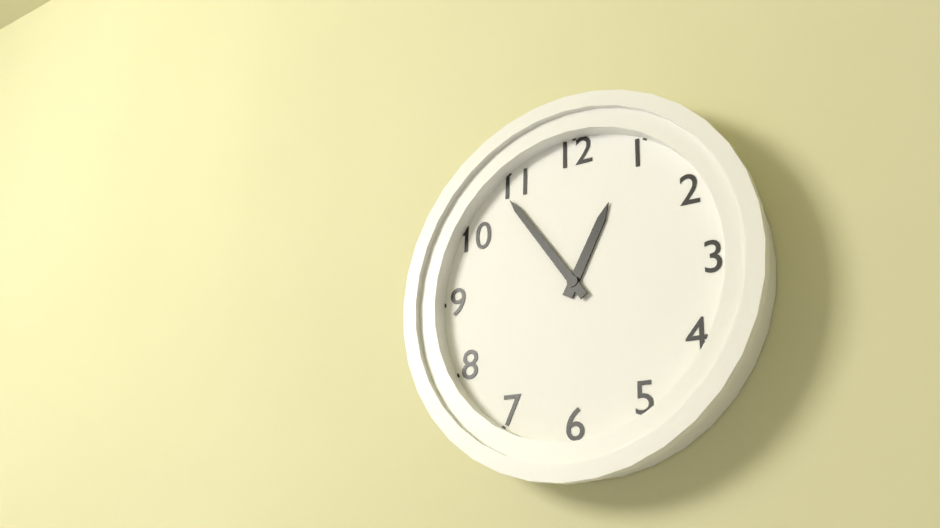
12.54
